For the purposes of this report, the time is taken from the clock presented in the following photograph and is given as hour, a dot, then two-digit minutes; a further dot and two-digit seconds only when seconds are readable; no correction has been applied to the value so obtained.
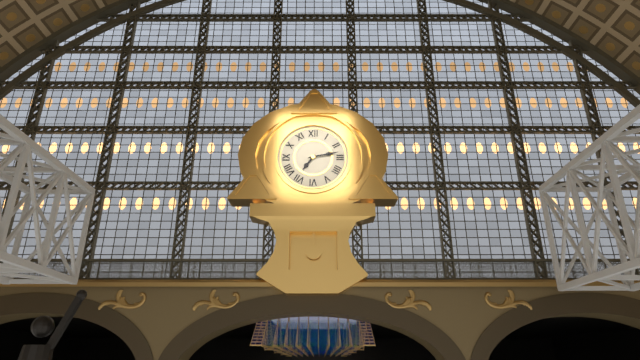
7.13
